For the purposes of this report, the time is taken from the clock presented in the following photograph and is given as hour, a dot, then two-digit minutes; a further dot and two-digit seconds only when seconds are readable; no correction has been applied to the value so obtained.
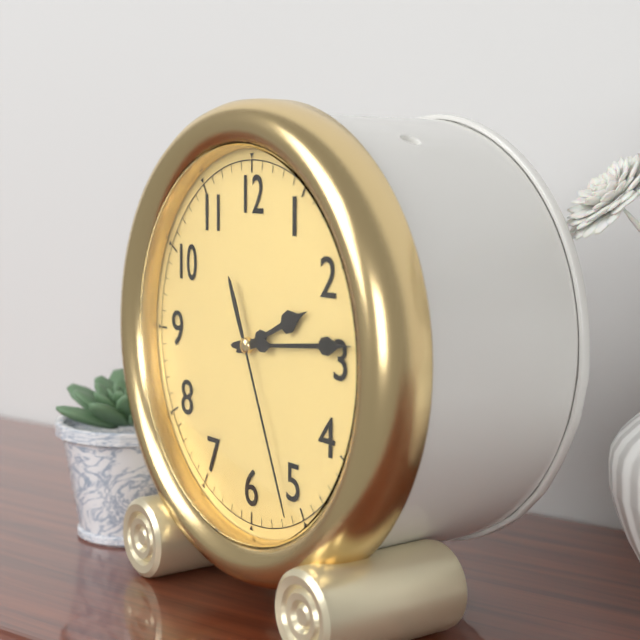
2.14.26
